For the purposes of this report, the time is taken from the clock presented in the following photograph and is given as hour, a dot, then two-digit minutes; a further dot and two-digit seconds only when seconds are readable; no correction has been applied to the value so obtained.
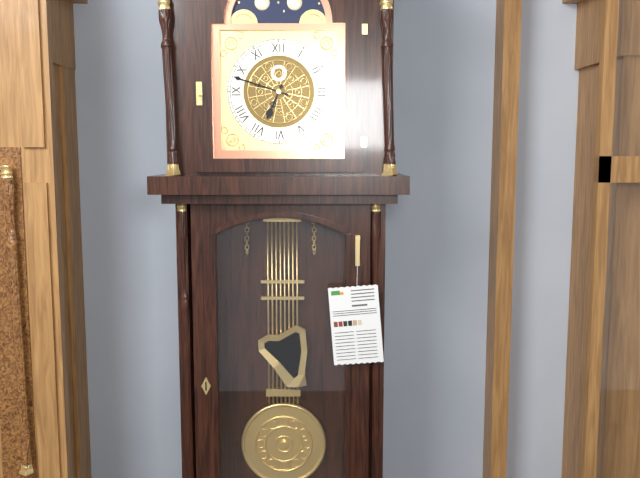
6.48
